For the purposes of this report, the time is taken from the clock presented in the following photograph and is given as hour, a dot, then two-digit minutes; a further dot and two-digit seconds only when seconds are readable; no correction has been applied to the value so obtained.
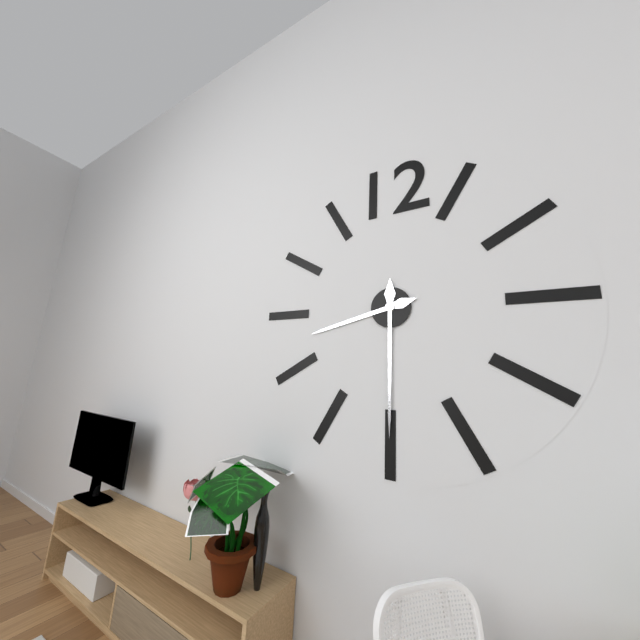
8.30
